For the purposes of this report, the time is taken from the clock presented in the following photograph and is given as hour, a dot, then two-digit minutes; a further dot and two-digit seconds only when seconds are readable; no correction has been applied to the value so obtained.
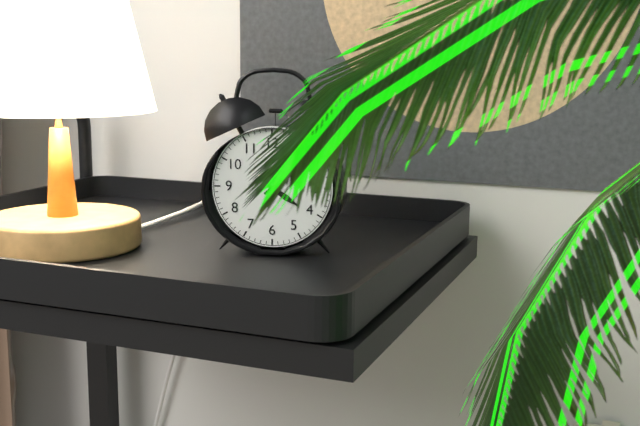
4.08
